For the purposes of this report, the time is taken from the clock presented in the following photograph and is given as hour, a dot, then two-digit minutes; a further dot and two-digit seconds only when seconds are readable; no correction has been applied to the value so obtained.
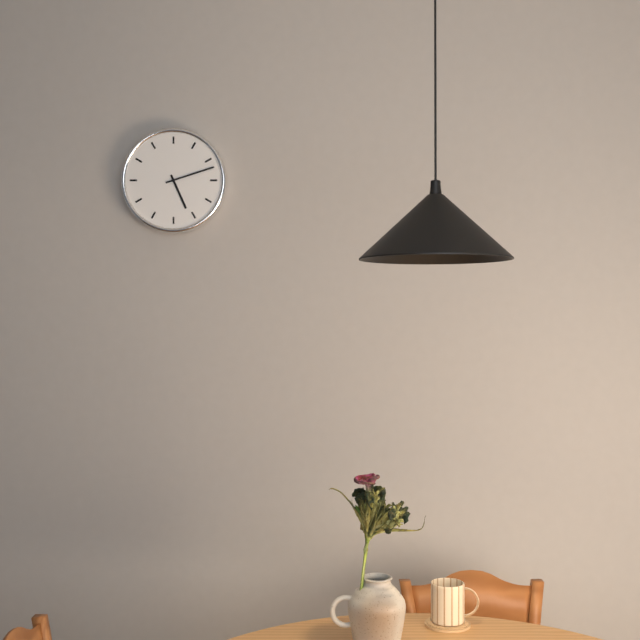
5.12
